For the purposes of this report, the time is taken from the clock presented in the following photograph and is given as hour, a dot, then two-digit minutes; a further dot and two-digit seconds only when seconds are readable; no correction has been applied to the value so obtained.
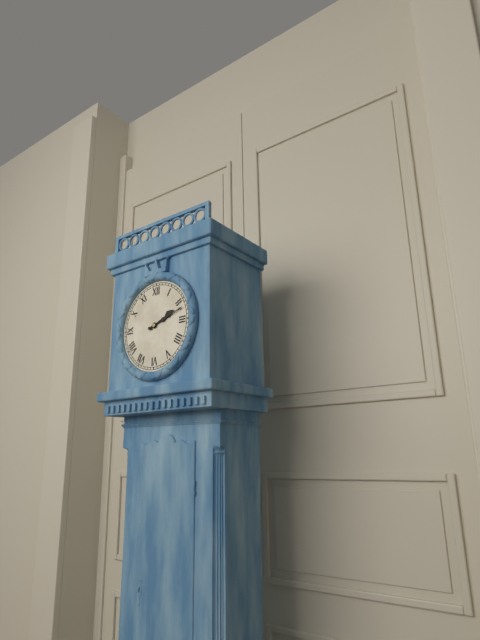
2.12
